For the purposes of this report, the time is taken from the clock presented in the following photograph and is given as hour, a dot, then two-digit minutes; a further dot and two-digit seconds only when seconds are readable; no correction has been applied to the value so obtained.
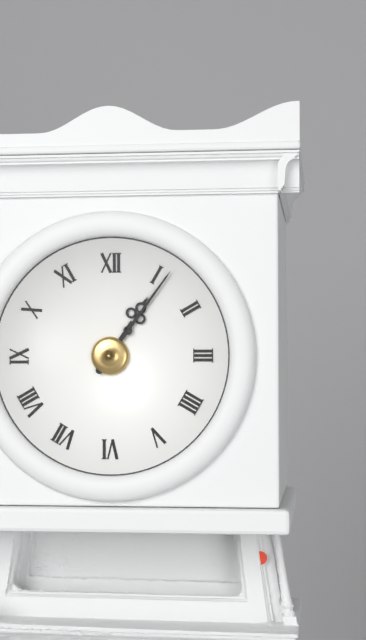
1.06
